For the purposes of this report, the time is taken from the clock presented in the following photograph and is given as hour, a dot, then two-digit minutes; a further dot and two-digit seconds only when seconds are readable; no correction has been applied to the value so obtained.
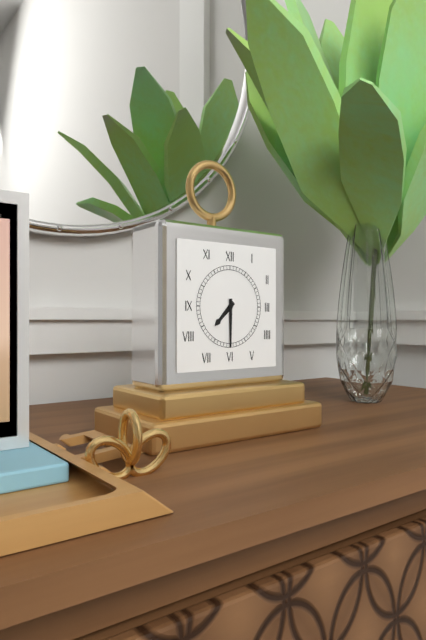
7.30
